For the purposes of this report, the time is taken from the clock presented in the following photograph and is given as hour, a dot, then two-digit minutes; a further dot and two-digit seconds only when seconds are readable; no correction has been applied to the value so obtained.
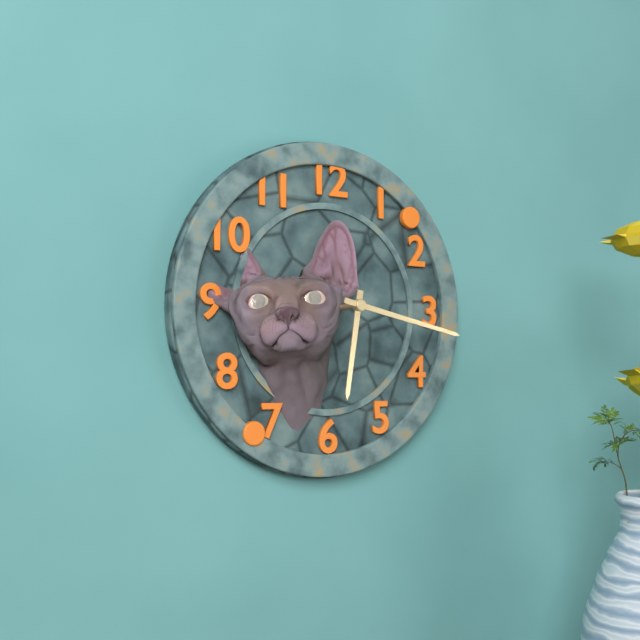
6.17
